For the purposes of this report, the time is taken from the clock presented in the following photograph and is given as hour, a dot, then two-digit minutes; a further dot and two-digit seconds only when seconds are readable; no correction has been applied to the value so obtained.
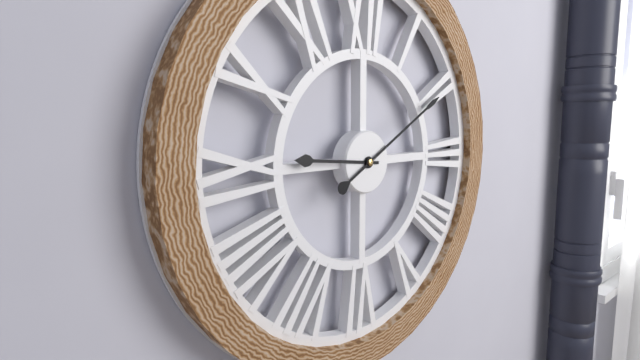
9.10
